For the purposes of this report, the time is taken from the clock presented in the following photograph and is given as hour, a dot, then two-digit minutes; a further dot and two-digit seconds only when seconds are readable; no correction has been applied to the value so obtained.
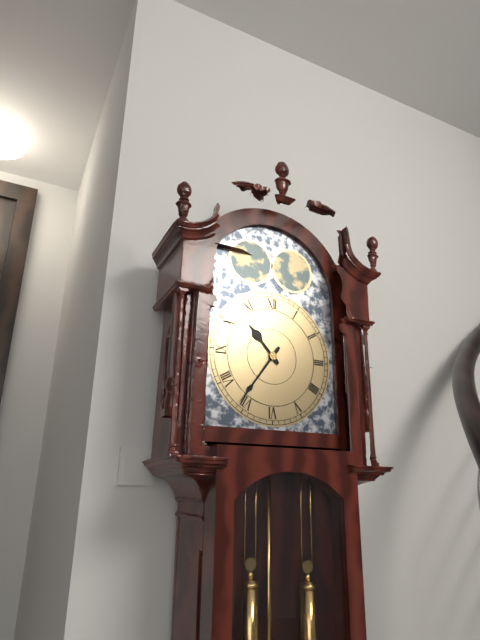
10.36
